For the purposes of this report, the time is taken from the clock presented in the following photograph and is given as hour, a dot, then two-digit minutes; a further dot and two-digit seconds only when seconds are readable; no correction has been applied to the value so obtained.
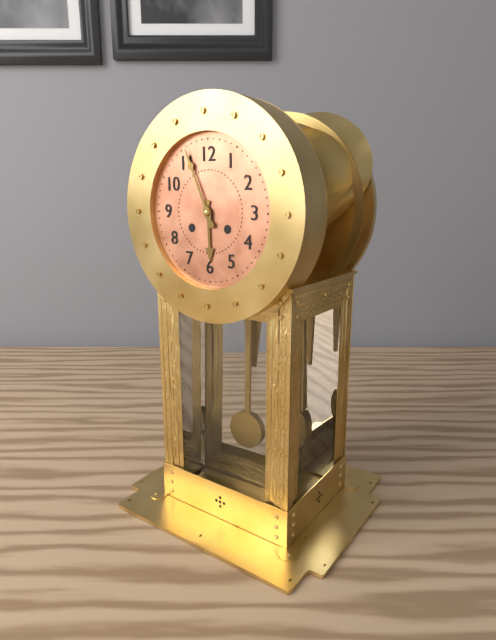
5.56
